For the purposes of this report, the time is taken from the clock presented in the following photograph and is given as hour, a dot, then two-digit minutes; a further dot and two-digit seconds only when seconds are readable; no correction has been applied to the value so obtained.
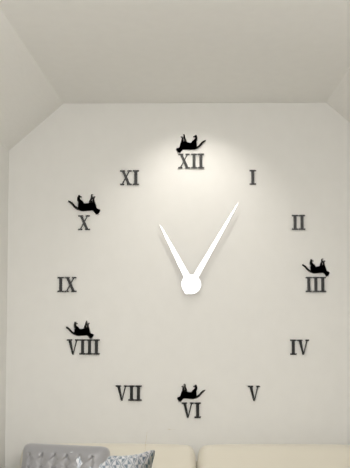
11.05
